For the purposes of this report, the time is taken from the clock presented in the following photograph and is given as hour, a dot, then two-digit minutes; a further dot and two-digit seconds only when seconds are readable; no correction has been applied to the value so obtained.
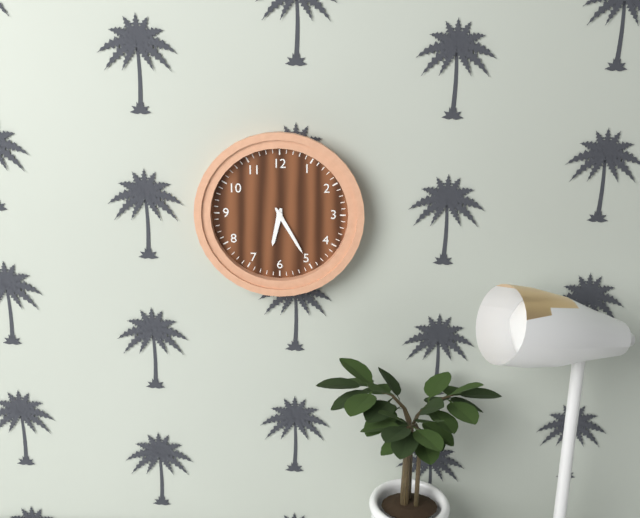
6.25
